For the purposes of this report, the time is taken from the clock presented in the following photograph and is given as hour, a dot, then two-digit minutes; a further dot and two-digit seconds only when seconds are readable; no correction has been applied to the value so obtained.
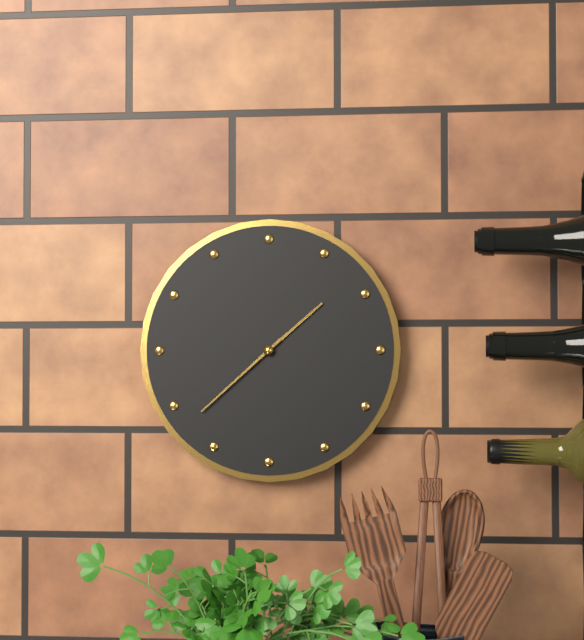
1.38
